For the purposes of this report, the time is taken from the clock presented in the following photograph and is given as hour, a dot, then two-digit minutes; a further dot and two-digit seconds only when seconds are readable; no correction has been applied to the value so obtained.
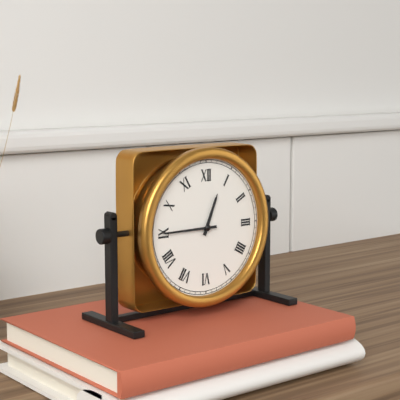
12.45
